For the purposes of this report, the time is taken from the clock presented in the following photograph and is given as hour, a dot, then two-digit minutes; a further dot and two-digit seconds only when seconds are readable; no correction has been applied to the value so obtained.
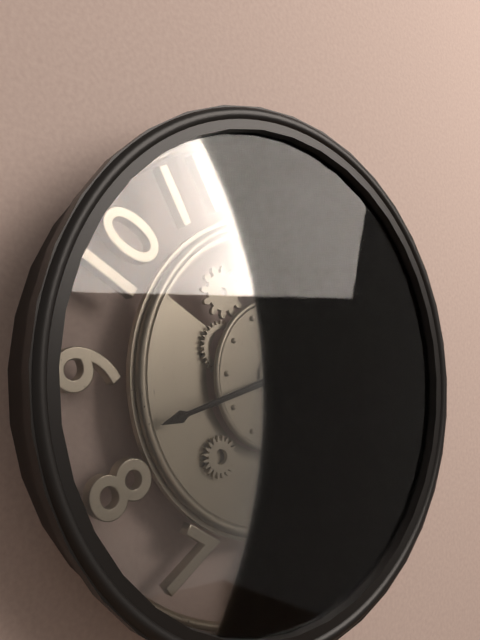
12.42.42
